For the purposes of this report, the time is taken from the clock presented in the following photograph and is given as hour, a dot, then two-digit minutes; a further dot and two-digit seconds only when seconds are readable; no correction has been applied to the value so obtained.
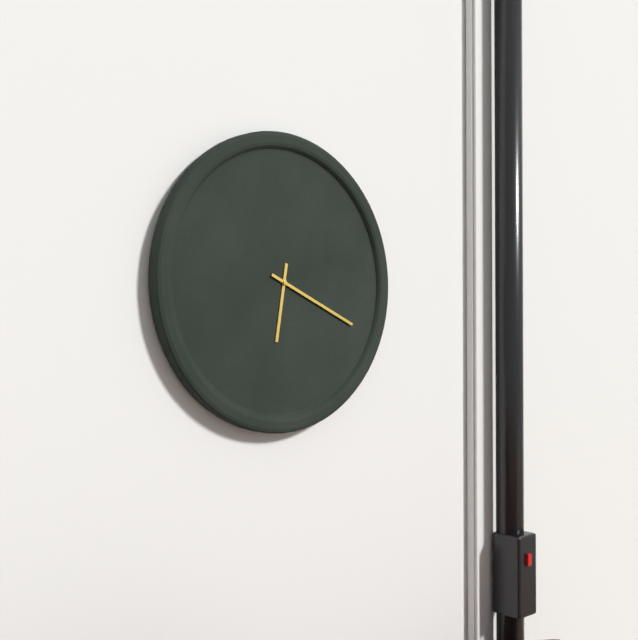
6.19
